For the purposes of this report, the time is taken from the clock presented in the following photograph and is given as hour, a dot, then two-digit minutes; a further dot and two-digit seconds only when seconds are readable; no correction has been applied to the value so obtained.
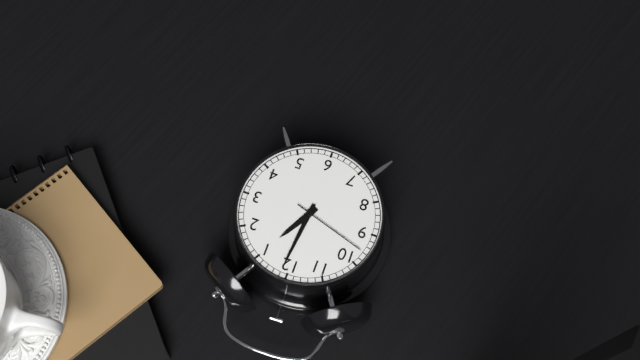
1.01.48
